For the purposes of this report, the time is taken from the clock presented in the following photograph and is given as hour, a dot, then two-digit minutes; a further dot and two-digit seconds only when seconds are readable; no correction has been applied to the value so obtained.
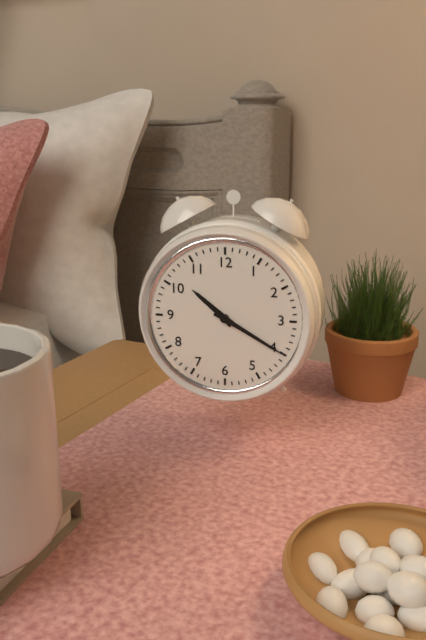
10.20
